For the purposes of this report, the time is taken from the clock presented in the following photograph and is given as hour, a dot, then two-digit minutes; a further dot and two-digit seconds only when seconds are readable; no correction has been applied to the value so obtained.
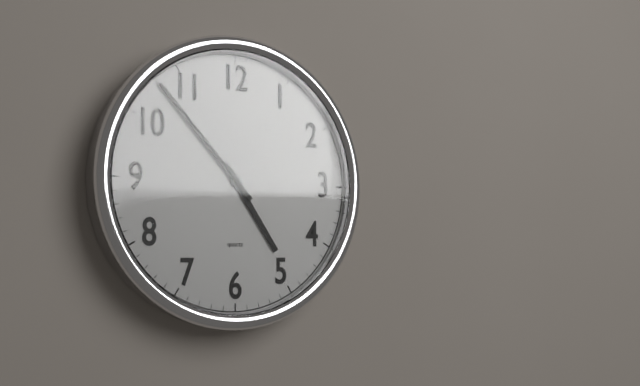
4.53
